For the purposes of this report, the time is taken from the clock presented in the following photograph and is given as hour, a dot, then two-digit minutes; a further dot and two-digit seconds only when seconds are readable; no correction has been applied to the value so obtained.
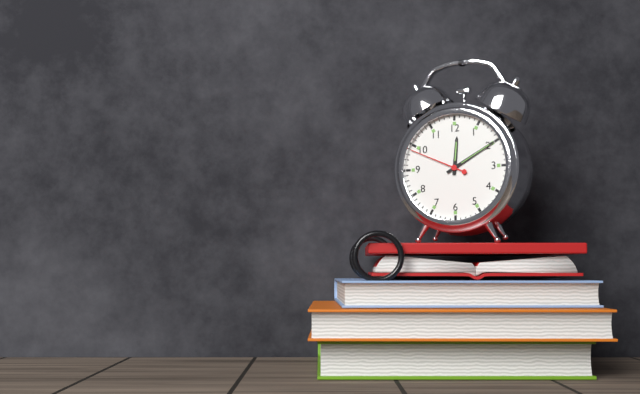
12.10.49
